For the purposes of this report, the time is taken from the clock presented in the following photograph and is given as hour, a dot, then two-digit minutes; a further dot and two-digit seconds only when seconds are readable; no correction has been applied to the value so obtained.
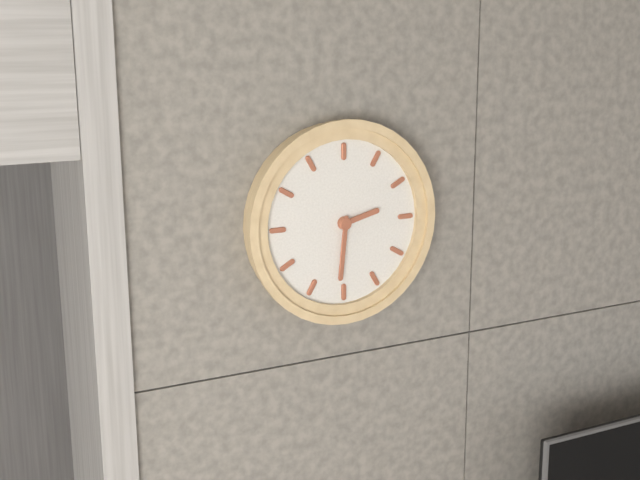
2.31
